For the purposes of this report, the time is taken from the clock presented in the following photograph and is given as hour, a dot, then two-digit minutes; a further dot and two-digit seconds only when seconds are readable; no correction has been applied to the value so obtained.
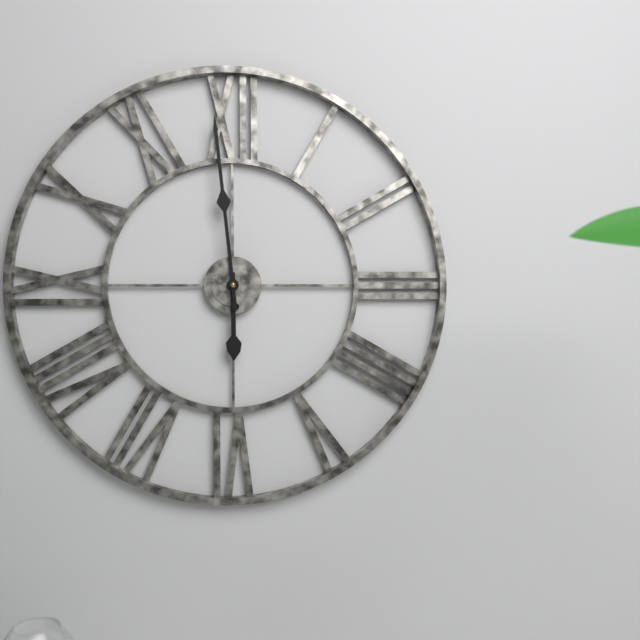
5.59
